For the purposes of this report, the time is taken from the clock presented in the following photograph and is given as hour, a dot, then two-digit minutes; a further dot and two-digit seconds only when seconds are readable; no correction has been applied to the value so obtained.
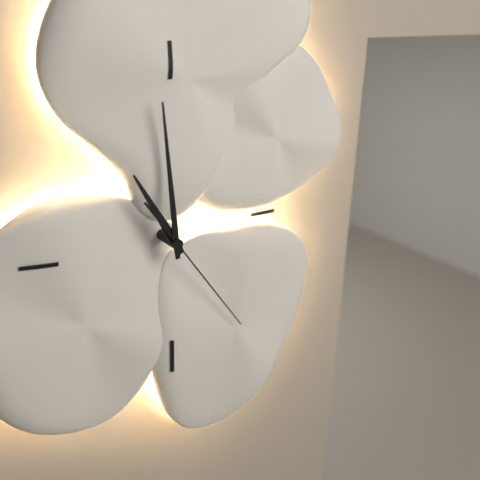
10.59.24
